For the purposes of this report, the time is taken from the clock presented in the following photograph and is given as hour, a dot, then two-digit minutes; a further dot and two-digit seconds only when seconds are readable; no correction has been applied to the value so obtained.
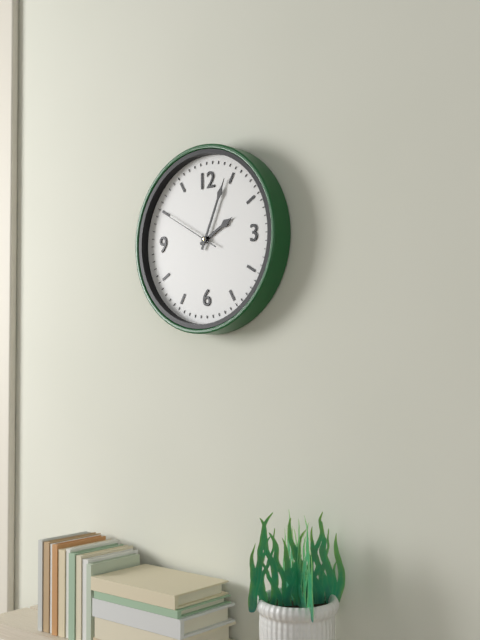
2.04.50
